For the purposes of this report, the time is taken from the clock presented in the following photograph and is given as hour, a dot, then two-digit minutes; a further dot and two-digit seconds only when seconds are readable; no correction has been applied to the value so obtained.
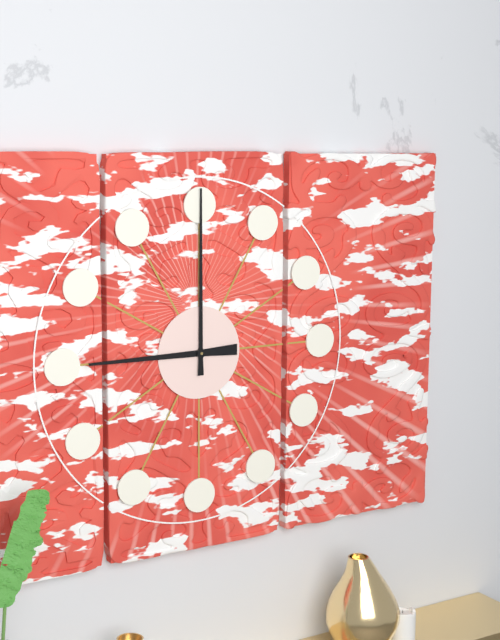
9.00
